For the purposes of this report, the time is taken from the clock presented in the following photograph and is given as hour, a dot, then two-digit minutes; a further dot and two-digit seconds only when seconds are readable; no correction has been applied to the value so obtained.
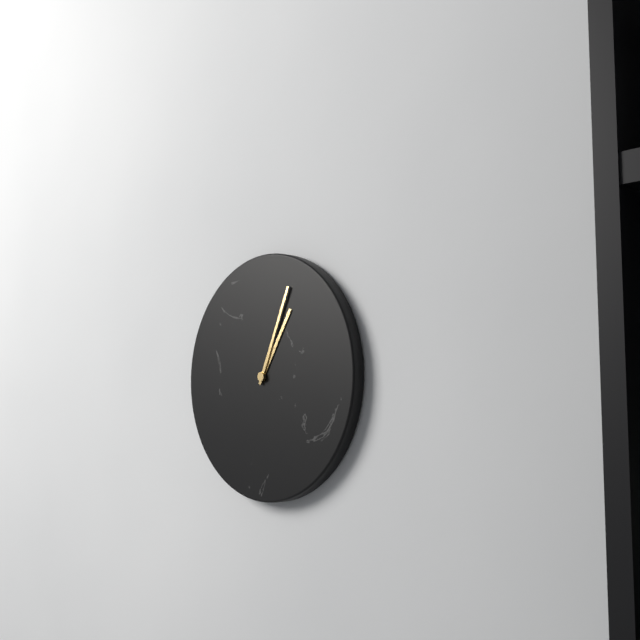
1.04
